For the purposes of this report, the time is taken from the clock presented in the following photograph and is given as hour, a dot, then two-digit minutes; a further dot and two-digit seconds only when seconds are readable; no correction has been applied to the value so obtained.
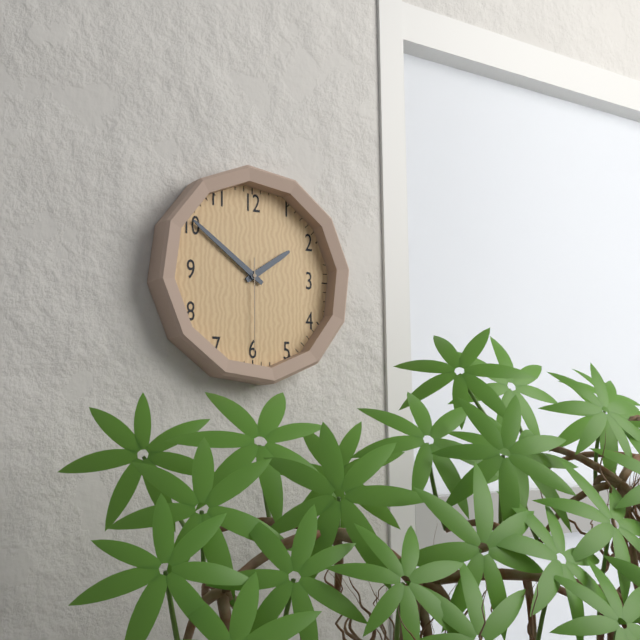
1.51.30
